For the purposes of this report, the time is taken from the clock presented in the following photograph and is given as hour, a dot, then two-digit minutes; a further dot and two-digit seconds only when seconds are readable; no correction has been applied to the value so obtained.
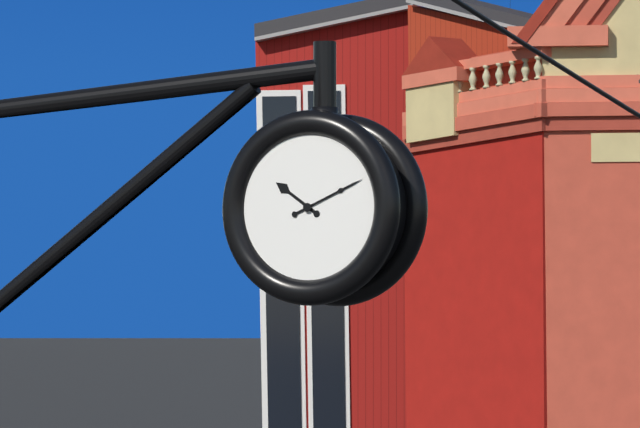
10.11
